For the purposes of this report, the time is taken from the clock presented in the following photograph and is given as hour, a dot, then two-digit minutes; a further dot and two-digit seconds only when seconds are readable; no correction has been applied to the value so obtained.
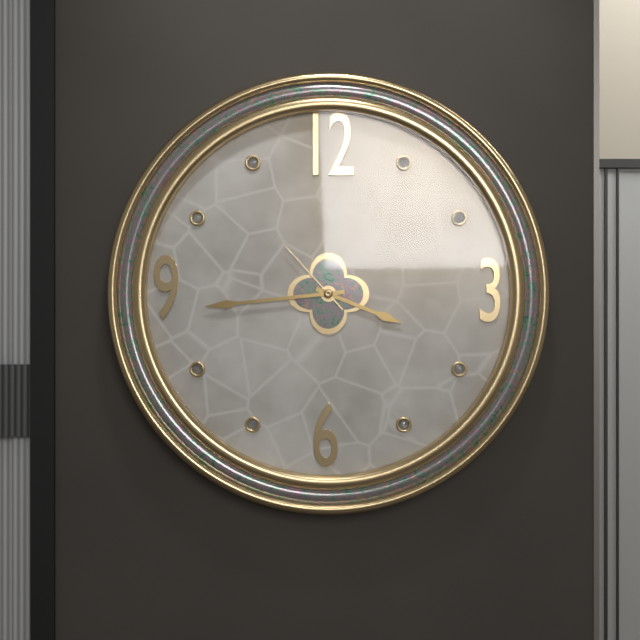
3.44.53
